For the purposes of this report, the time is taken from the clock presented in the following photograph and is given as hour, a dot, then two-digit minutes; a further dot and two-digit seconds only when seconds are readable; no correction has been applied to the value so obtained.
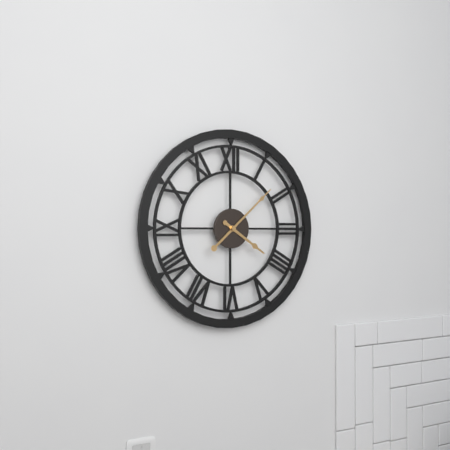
4.08
